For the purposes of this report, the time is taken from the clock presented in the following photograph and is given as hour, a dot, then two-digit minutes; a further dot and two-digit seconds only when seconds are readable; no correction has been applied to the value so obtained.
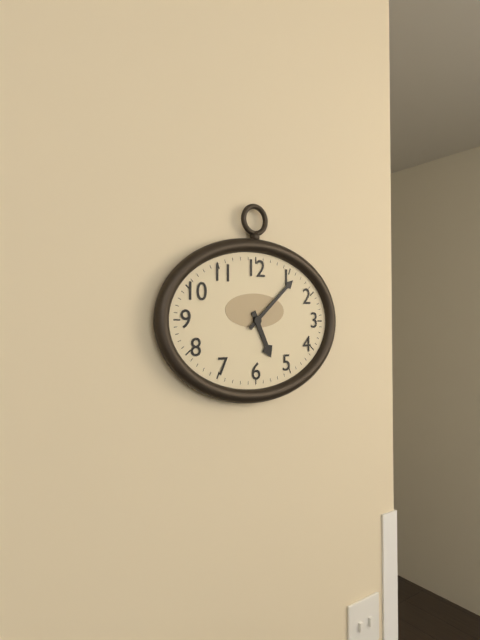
5.08
